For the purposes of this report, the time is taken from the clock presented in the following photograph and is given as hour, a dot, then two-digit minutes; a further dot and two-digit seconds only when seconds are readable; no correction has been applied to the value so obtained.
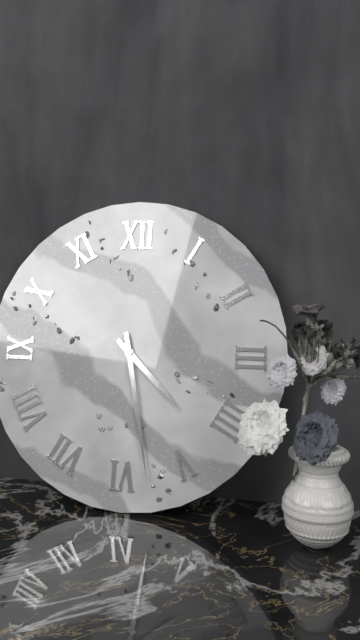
4.28
